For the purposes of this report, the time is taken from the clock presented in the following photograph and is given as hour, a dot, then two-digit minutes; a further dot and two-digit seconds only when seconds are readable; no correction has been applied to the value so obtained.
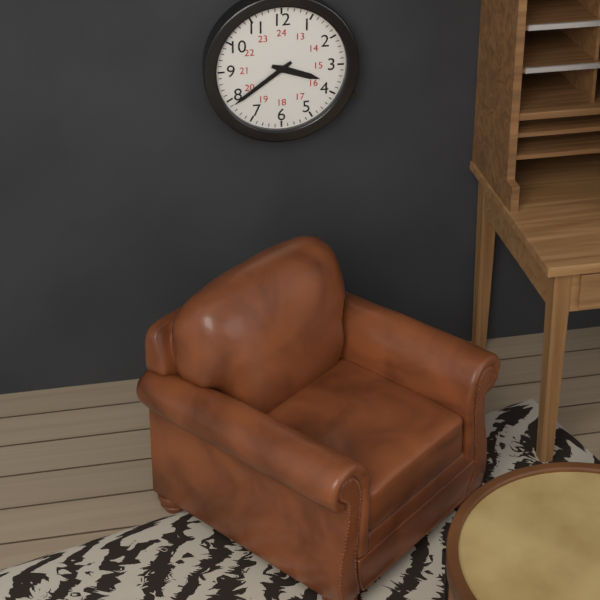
3.39
